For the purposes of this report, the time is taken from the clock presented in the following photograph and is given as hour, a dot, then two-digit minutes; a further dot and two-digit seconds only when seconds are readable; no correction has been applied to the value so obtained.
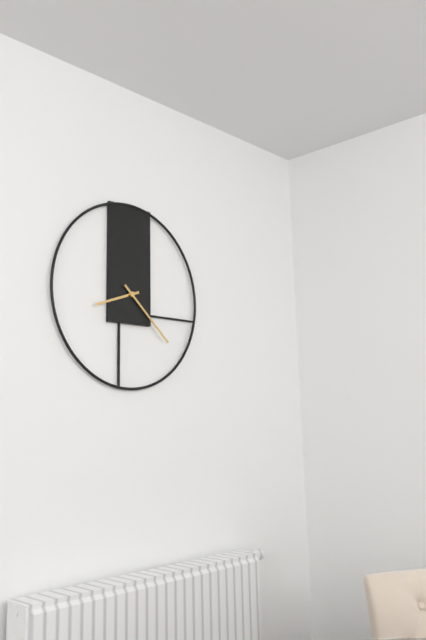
8.22
